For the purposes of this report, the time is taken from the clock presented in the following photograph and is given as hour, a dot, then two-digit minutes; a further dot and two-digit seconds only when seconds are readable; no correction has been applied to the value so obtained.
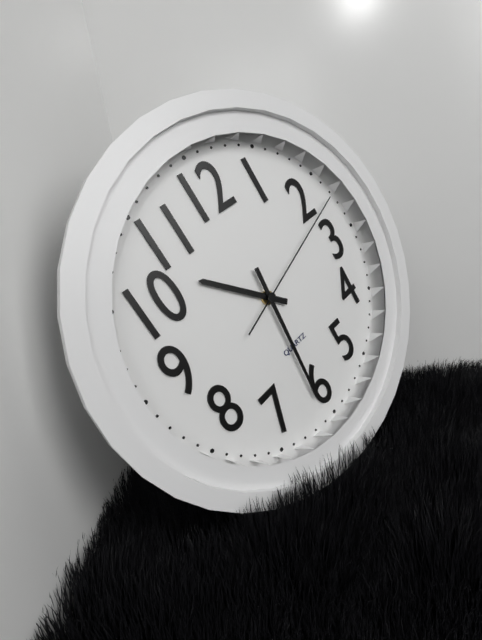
10.31.12
